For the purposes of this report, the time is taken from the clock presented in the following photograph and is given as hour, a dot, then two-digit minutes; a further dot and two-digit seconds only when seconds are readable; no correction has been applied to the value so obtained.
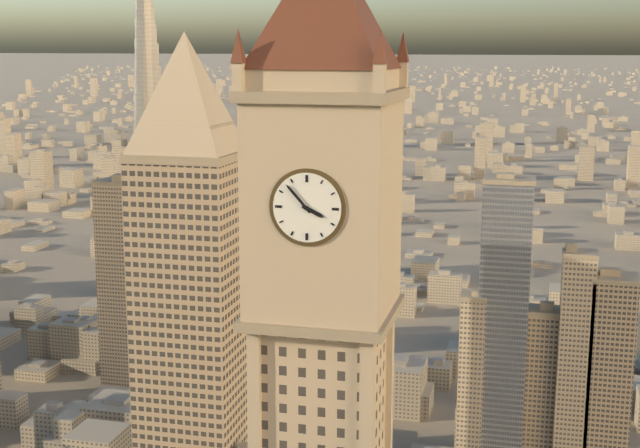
3.53
